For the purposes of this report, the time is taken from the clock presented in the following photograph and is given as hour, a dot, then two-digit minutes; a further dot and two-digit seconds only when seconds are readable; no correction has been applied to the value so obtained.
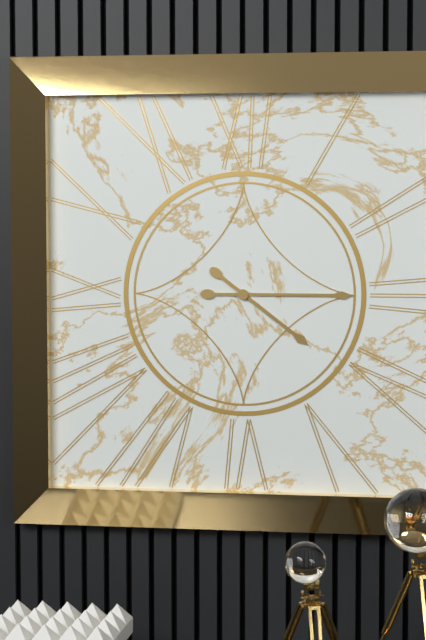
4.15
